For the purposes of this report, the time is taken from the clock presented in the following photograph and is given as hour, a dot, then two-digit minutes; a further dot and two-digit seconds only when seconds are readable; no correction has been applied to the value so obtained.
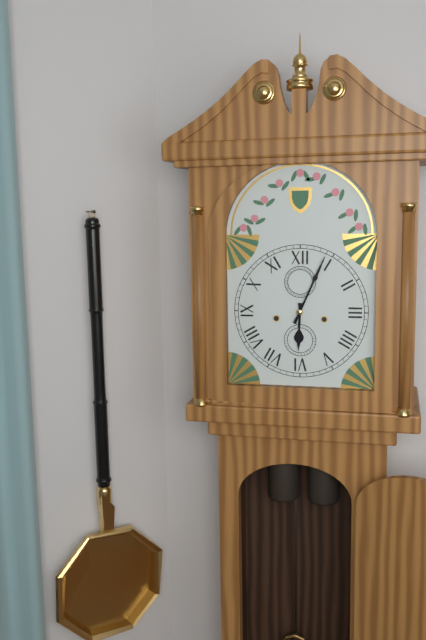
6.04
